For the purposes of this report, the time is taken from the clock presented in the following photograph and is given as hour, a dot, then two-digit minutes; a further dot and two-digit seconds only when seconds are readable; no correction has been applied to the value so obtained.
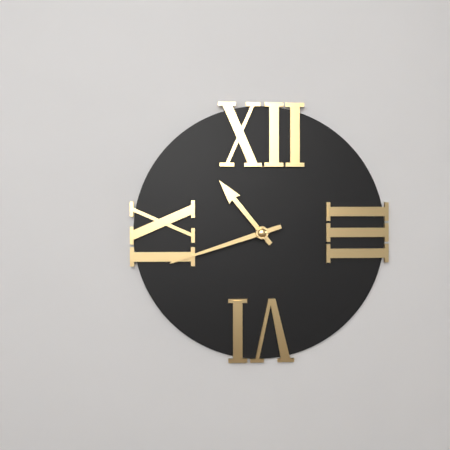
10.42
